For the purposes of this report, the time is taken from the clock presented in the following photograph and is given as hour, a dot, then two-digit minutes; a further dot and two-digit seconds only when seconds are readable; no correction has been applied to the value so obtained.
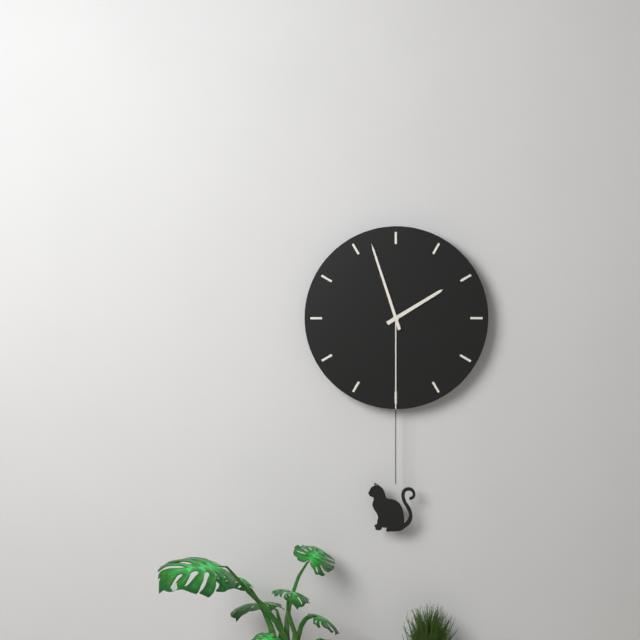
1.57
